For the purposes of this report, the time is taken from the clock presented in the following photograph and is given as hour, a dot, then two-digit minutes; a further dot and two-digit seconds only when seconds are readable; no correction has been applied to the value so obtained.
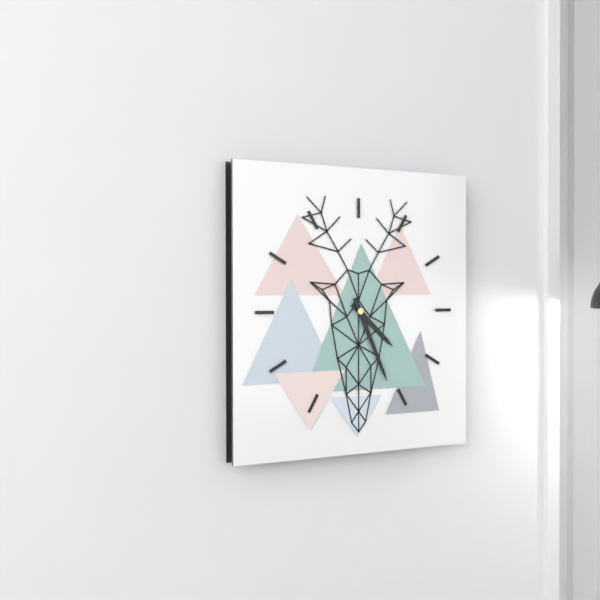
4.26
